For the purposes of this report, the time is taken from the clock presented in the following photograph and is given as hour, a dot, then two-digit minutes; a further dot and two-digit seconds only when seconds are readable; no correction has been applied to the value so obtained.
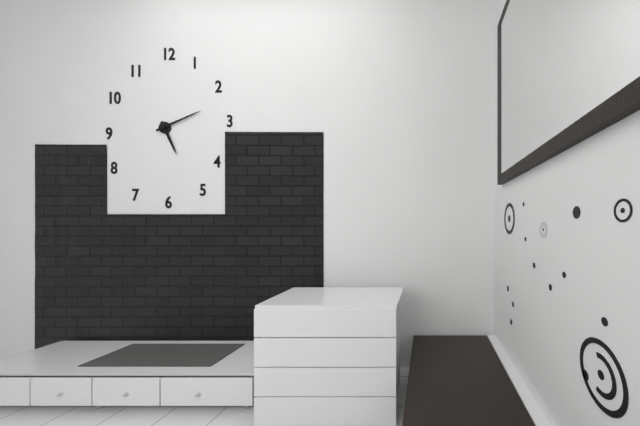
5.11
